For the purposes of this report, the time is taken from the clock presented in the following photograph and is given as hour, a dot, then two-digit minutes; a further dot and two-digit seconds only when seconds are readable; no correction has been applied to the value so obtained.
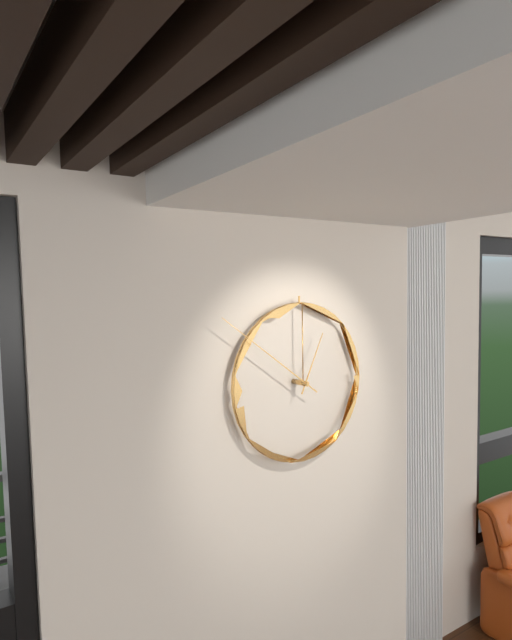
12.51
